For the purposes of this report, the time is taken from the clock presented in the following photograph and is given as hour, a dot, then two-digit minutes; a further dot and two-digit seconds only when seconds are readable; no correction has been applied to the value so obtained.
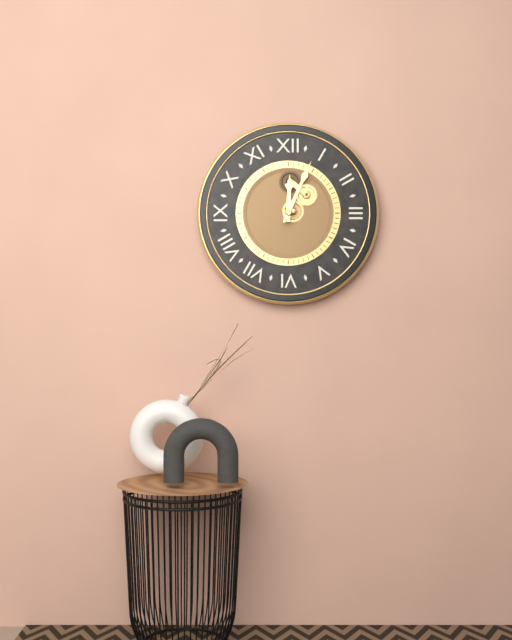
12.04
